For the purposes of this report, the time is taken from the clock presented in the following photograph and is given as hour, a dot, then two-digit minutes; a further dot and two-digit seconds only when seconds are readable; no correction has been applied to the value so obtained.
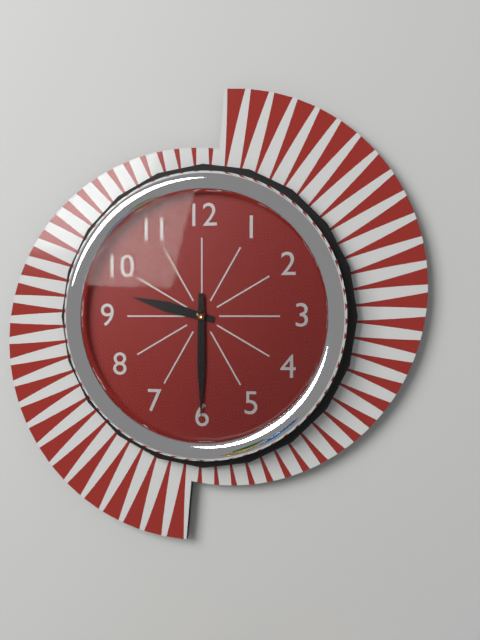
9.30
